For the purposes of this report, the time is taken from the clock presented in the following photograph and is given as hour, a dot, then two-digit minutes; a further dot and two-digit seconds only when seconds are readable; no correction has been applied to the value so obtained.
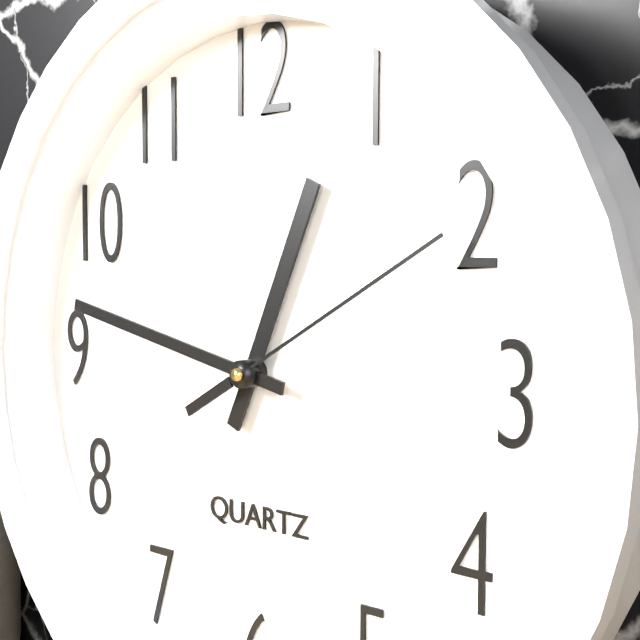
12.47.10
